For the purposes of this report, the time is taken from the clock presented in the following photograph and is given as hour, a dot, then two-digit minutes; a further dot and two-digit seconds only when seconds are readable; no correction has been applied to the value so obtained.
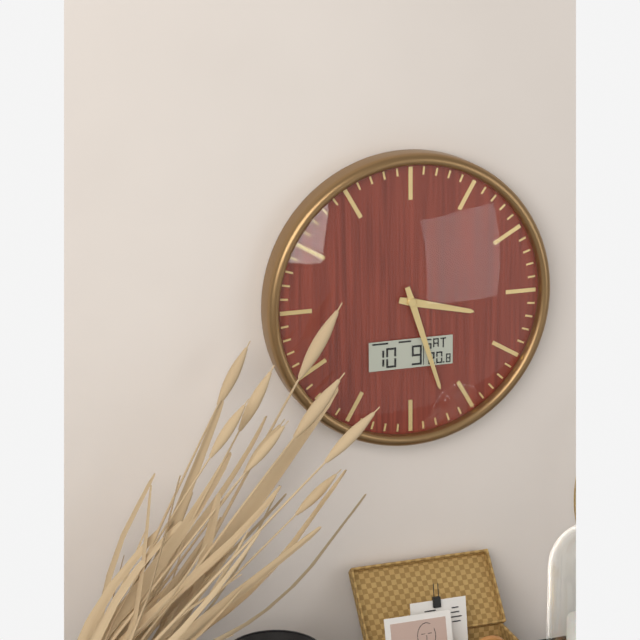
3.27
